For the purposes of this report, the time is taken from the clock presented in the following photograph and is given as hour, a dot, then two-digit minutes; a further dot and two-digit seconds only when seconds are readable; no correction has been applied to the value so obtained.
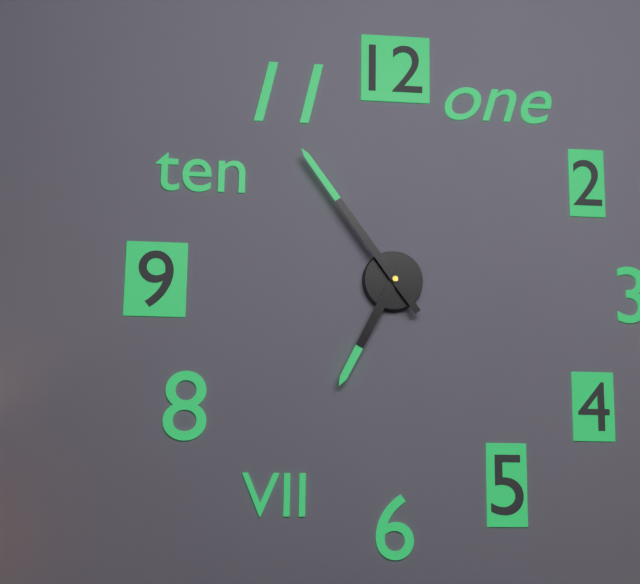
6.54
